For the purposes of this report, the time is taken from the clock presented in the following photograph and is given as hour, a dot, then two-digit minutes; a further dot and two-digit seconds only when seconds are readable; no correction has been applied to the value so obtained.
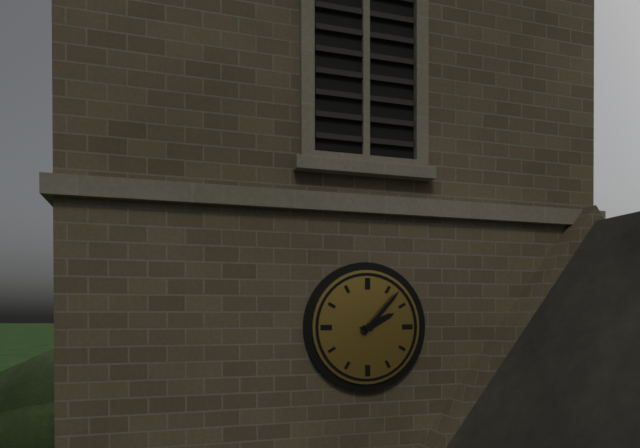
2.07
